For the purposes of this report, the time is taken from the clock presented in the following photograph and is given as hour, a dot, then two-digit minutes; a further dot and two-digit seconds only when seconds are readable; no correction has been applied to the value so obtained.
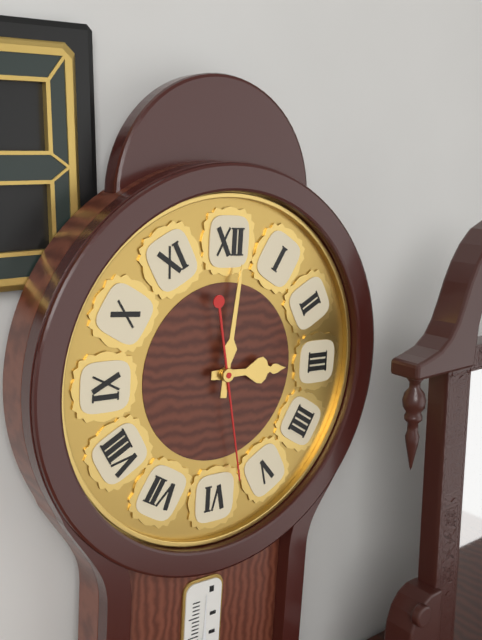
3.01.28
